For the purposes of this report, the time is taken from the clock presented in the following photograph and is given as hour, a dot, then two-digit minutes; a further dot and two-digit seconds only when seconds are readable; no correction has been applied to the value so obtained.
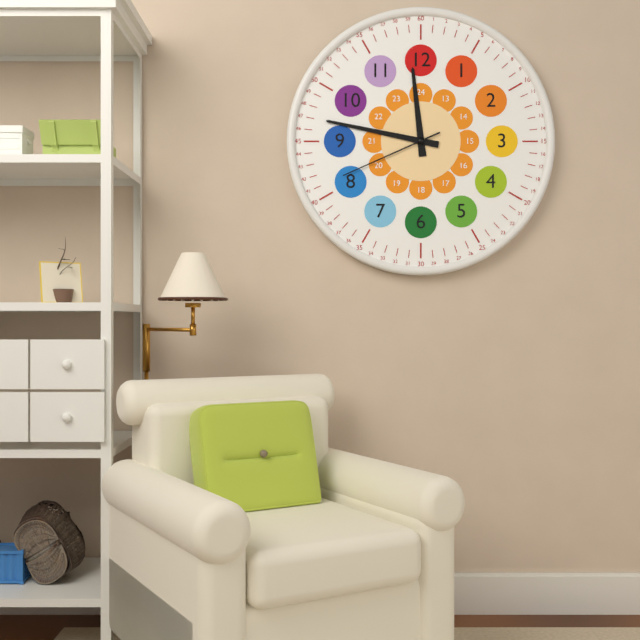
11.47.41
